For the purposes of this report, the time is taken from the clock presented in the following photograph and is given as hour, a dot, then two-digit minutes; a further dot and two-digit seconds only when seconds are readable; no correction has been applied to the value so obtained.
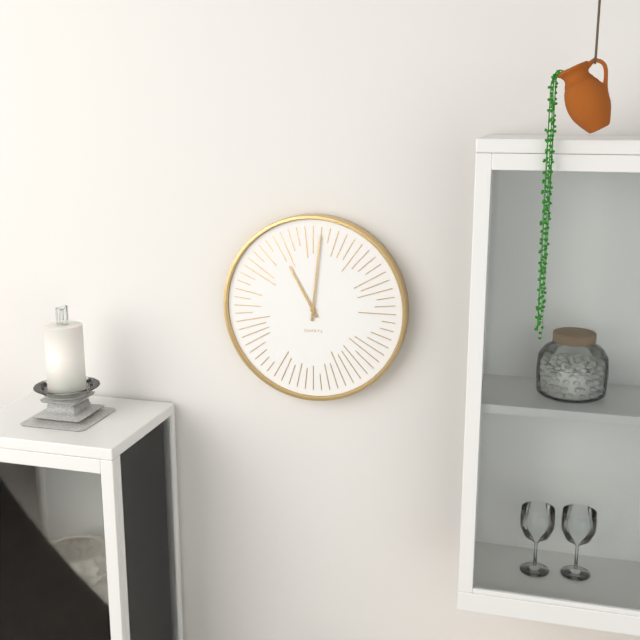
11.01
